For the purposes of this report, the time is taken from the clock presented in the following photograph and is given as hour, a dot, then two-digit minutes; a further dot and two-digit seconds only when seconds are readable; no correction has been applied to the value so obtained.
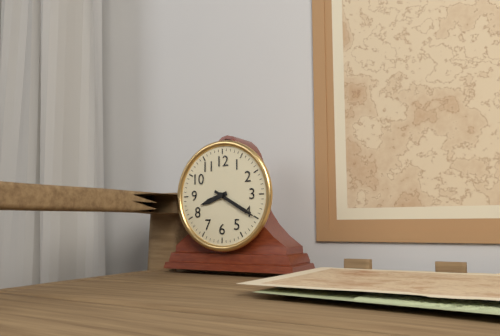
8.20
